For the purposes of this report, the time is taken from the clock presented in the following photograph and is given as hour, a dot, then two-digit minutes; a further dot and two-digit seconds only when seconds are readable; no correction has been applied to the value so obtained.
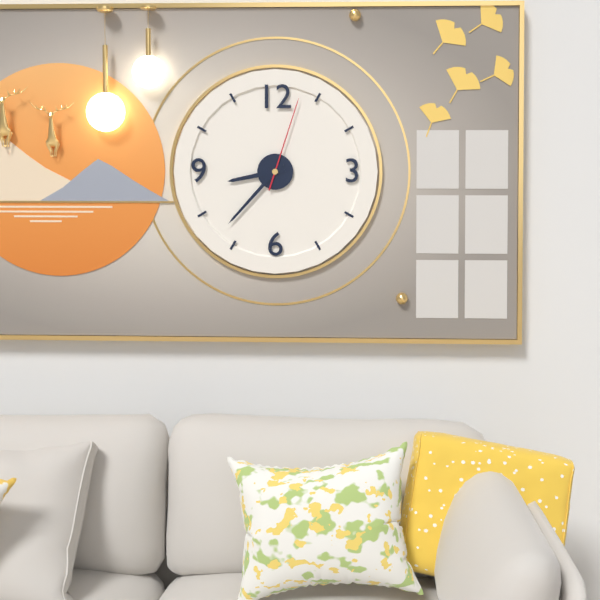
8.37.03
